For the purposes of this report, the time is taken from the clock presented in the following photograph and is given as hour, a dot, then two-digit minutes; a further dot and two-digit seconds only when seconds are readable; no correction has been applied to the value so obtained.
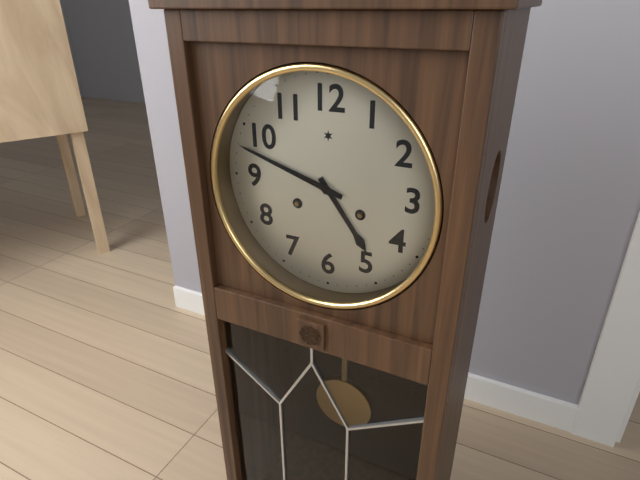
4.48
